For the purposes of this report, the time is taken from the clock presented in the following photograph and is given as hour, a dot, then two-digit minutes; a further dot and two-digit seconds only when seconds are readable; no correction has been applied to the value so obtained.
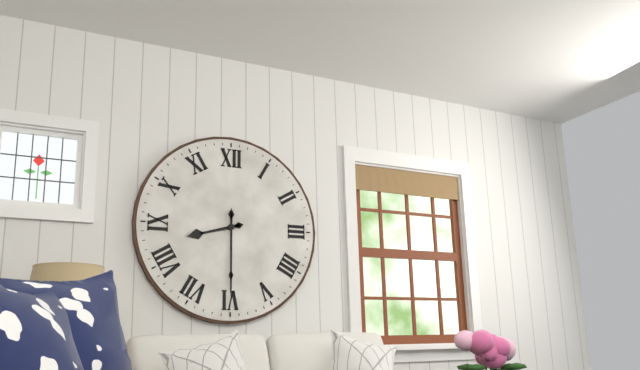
8.30
